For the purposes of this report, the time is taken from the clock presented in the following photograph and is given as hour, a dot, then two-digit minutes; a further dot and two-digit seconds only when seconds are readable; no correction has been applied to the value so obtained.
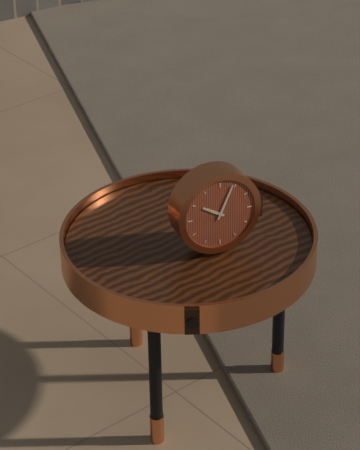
10.04
